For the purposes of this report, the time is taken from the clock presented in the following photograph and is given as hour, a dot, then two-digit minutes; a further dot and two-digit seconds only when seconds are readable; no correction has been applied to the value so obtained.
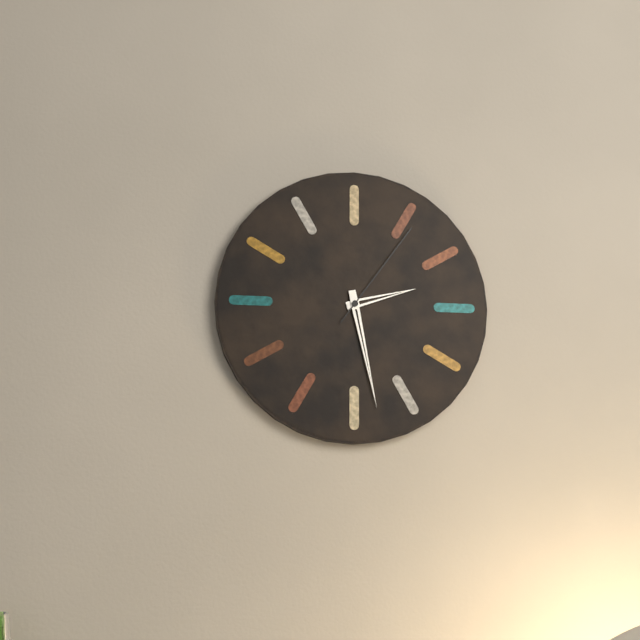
2.28.06
